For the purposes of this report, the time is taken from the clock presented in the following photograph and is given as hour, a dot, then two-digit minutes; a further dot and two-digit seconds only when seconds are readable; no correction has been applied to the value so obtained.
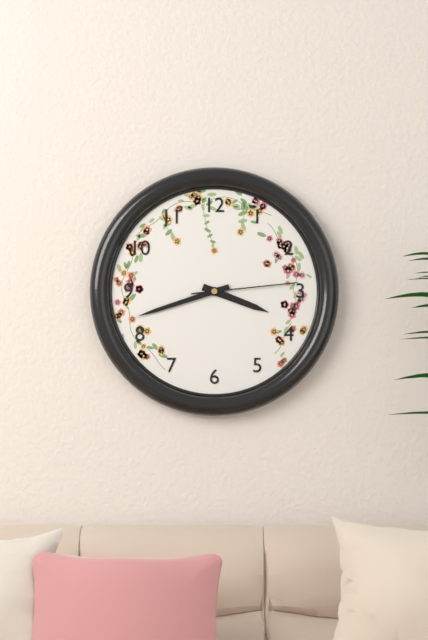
3.42.14
